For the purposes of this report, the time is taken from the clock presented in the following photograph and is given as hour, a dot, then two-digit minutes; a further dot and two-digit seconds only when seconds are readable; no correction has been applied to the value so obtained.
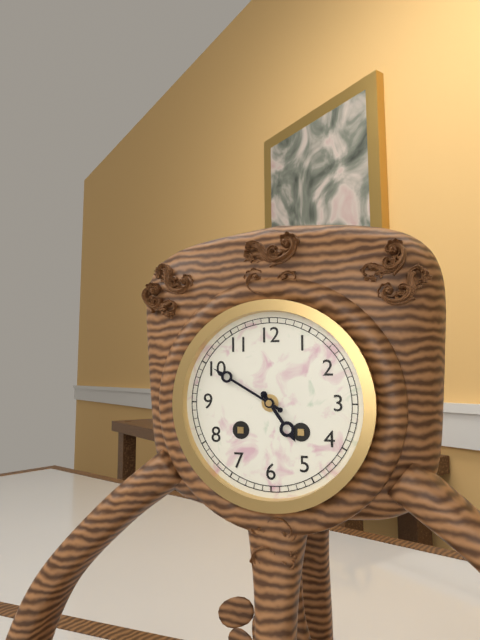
4.50
